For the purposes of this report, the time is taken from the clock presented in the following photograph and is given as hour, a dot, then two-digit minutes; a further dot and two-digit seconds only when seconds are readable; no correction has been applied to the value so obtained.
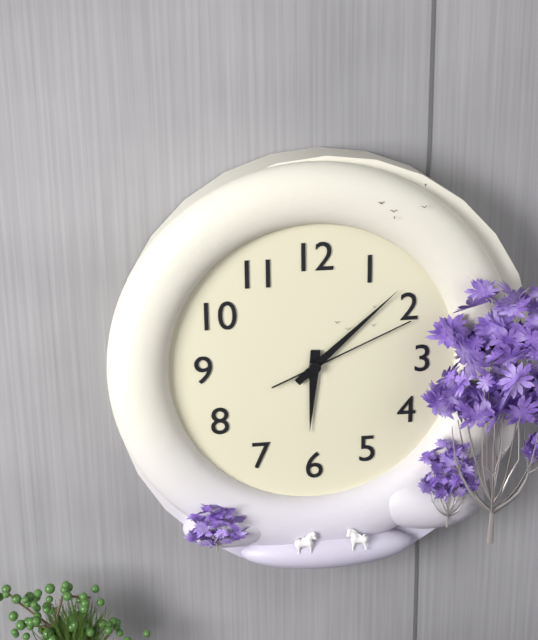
6.08.11
